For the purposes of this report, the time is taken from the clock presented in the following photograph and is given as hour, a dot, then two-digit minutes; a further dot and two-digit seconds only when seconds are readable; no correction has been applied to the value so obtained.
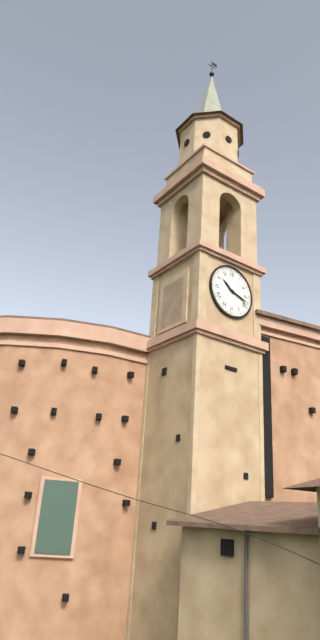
10.18
